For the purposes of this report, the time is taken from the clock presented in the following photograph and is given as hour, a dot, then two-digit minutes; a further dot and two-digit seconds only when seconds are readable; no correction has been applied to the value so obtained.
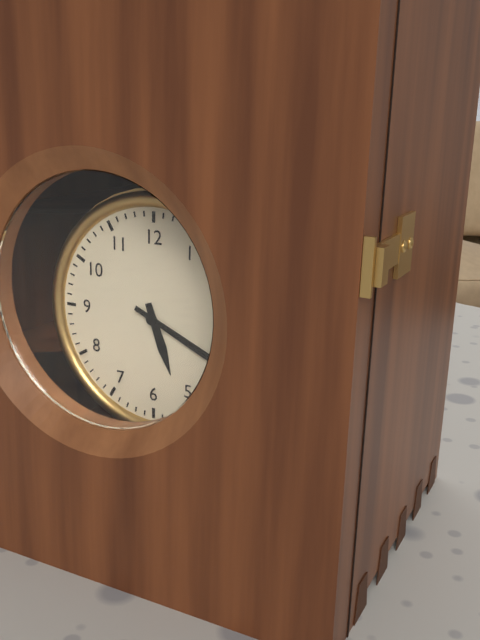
5.19
